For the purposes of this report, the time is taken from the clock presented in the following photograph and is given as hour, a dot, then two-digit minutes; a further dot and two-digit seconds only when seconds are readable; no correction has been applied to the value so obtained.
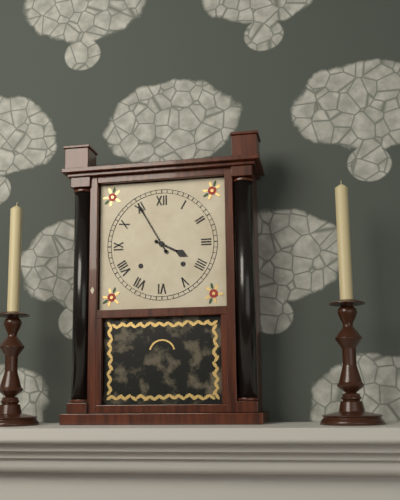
3.55
